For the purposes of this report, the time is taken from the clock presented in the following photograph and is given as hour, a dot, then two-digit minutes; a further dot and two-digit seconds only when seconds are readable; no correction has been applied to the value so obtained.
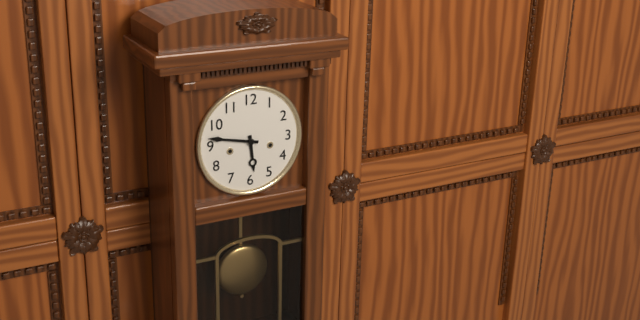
5.47
